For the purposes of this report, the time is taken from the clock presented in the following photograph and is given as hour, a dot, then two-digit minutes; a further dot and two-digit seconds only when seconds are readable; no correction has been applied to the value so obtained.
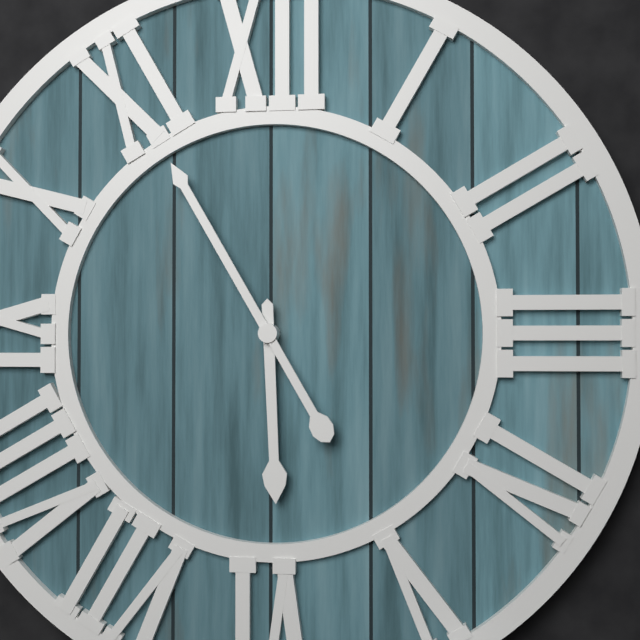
5.55
